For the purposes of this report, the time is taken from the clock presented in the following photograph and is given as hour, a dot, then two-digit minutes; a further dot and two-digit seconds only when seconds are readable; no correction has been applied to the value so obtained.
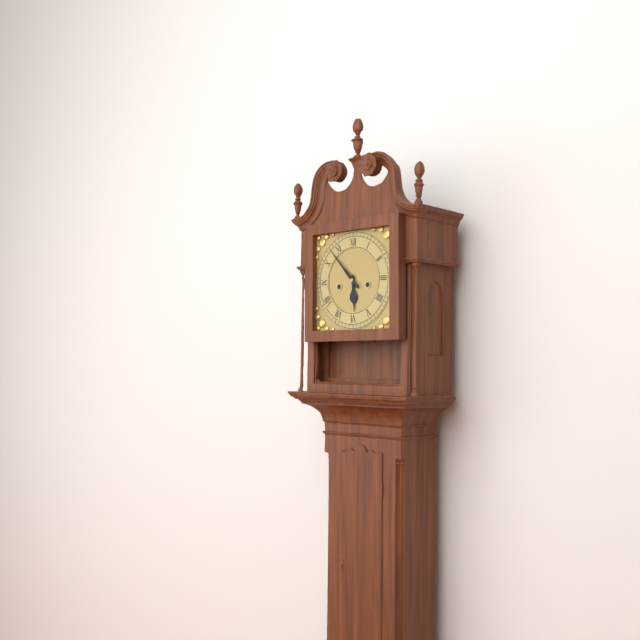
5.53
